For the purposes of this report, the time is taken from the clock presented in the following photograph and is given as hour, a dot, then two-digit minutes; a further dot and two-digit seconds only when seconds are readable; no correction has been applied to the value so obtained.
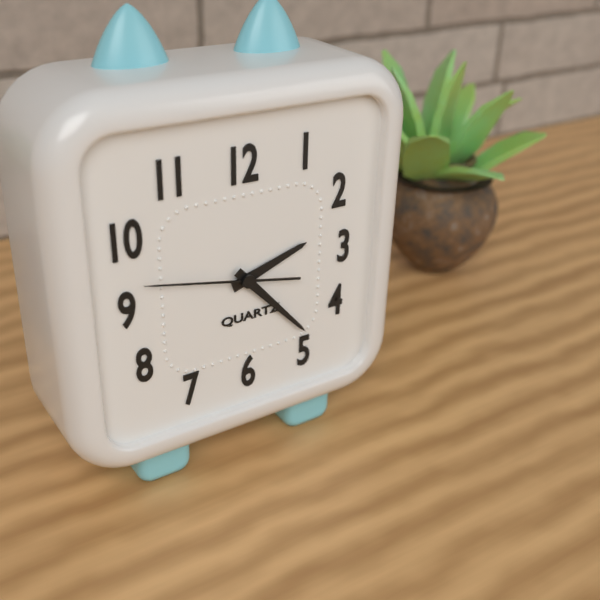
2.23.47
